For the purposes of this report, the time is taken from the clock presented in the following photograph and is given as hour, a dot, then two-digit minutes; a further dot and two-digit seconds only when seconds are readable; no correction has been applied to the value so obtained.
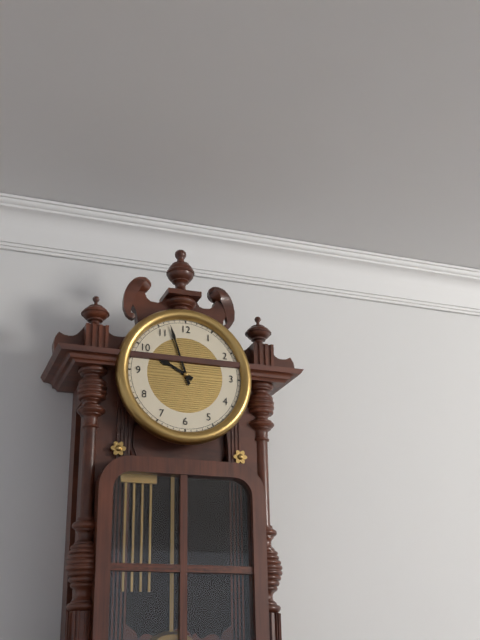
9.57
